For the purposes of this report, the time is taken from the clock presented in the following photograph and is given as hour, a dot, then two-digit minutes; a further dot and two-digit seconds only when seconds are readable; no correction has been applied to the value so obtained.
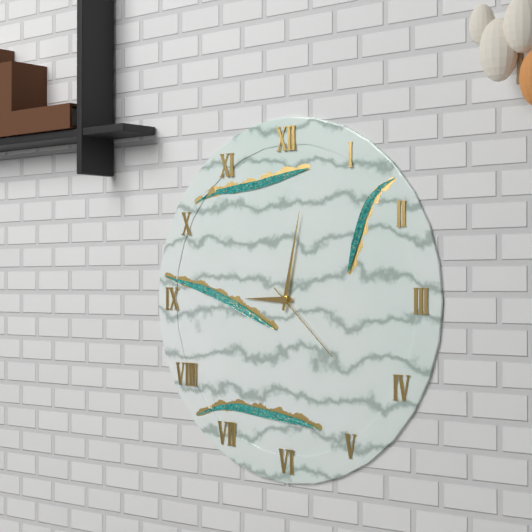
9.02.22
